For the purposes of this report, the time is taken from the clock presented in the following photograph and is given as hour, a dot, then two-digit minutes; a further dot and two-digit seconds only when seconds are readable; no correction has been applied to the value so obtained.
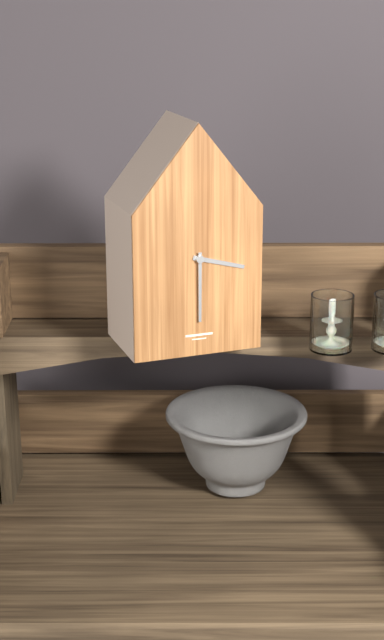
3.30
